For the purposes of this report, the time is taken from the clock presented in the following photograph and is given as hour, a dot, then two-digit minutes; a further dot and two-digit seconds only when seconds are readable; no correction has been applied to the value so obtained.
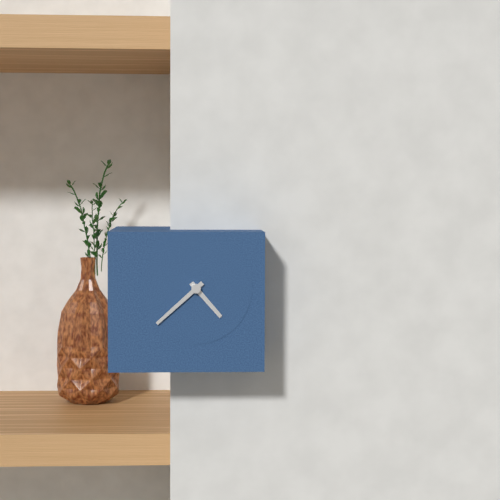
4.38
